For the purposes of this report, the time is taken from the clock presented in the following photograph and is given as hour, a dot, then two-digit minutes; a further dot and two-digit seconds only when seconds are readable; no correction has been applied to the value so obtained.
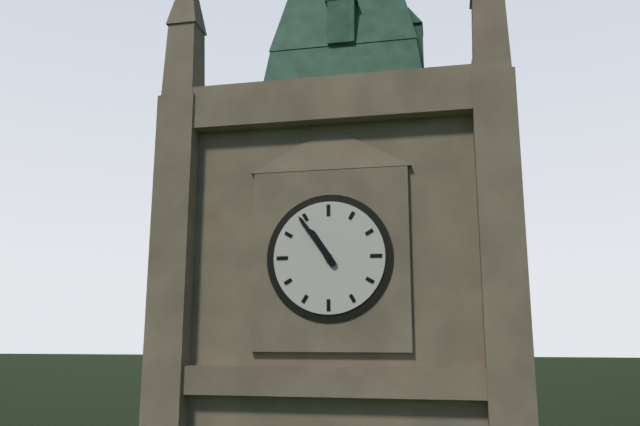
10.54
